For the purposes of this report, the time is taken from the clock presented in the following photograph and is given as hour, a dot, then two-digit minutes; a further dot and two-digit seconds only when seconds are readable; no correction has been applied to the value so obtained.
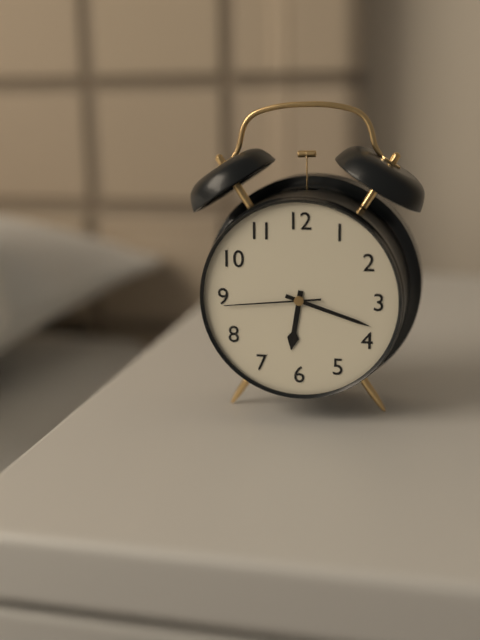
6.18.44
